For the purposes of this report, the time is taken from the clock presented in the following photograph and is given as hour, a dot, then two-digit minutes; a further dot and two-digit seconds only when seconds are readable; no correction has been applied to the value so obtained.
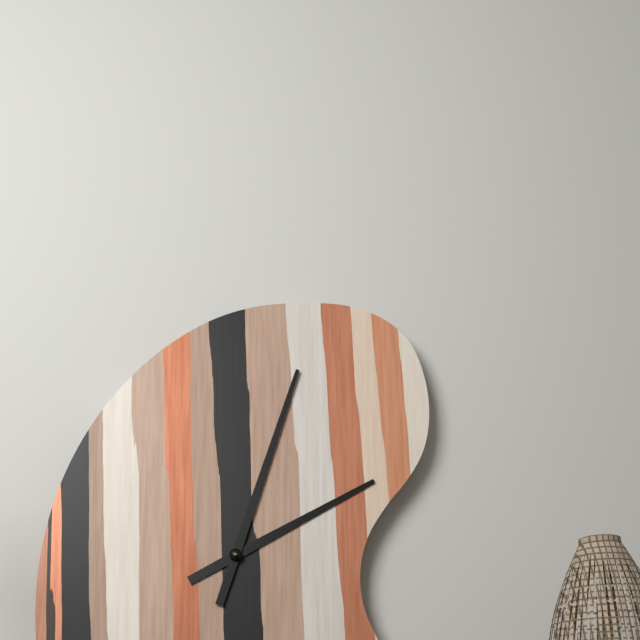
2.03
